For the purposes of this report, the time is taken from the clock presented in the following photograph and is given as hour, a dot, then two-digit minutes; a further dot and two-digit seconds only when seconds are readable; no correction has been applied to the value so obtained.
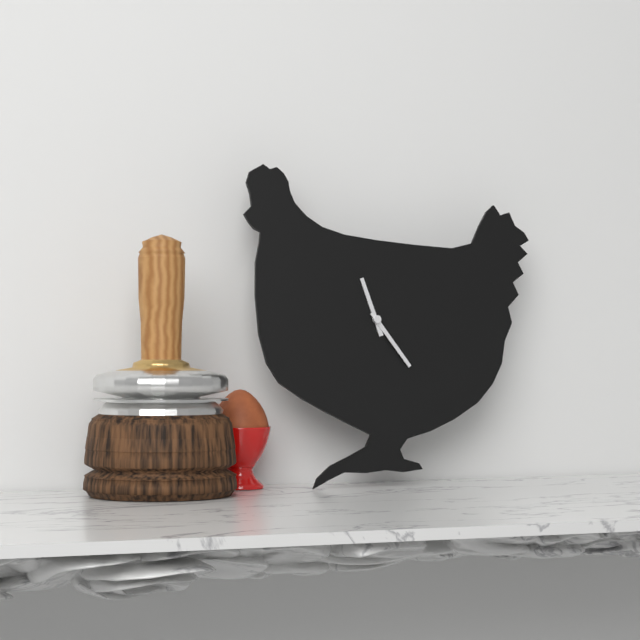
11.24
